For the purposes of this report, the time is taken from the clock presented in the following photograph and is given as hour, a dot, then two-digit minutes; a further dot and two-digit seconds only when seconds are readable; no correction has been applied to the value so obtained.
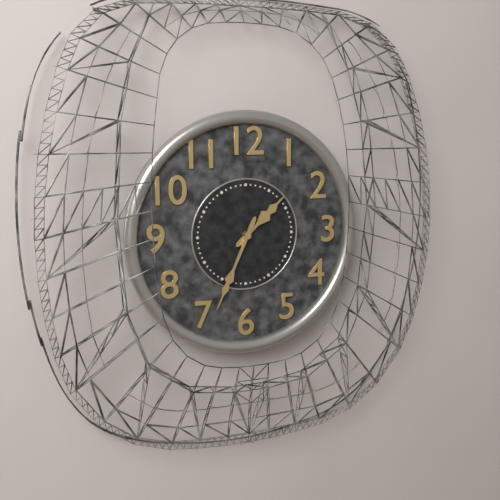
1.34
